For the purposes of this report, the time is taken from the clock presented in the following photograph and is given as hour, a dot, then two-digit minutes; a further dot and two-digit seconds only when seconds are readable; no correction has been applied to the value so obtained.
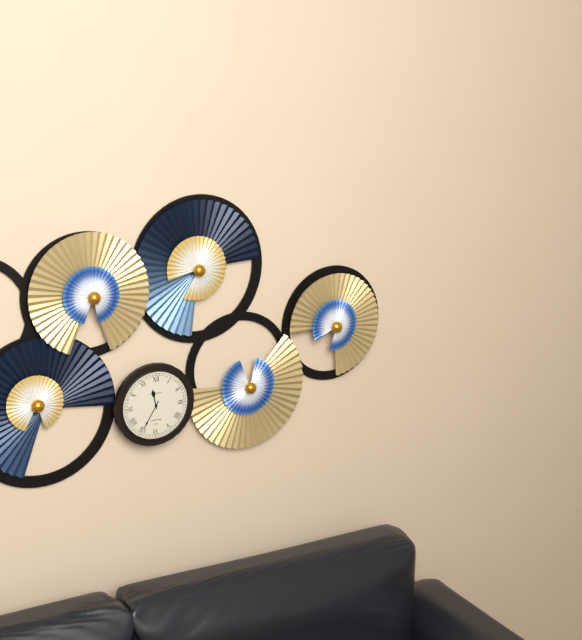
11.35
